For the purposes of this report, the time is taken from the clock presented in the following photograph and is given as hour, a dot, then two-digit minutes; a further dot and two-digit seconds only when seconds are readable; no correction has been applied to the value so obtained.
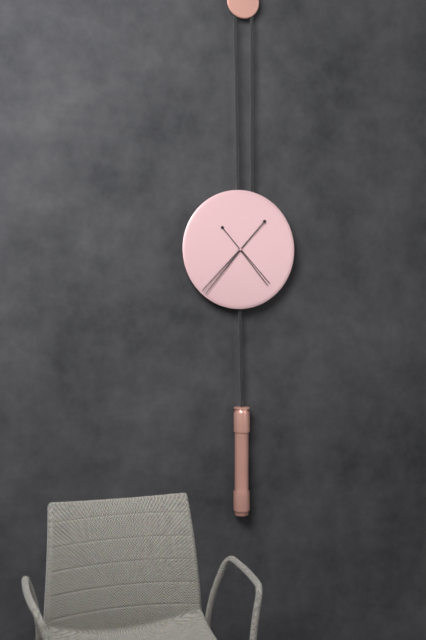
4.37
